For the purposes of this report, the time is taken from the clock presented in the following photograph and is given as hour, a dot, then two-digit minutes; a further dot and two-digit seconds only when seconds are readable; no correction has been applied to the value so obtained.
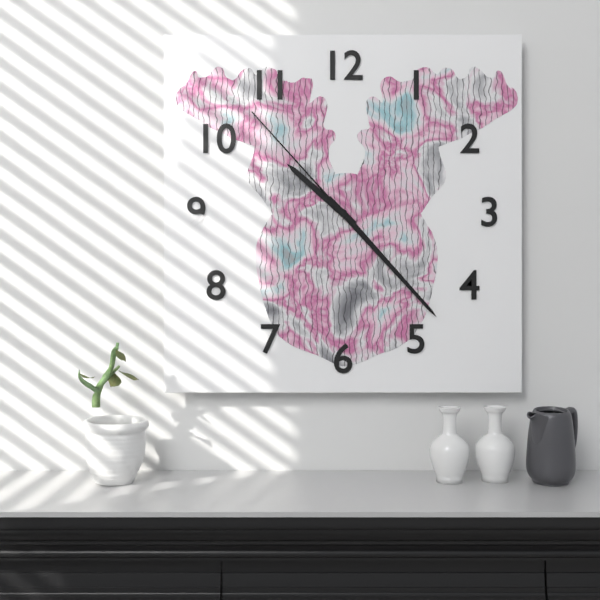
10.23.53
